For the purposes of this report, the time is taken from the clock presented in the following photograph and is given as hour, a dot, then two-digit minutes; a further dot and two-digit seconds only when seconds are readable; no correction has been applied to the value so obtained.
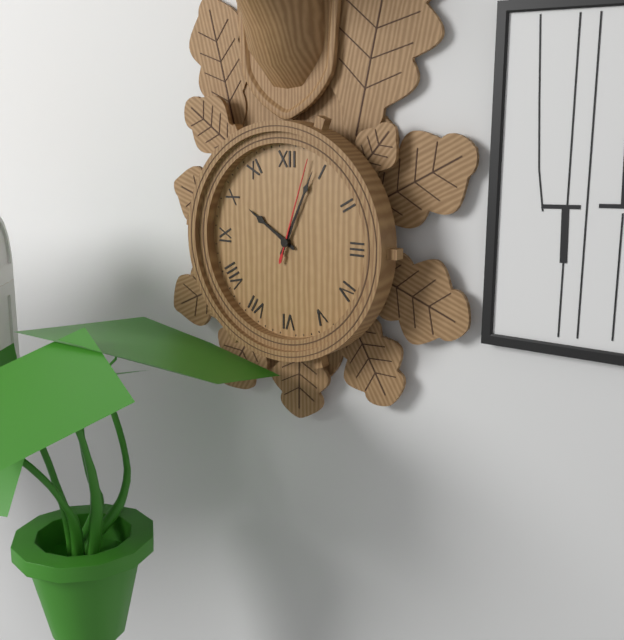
10.04.03
